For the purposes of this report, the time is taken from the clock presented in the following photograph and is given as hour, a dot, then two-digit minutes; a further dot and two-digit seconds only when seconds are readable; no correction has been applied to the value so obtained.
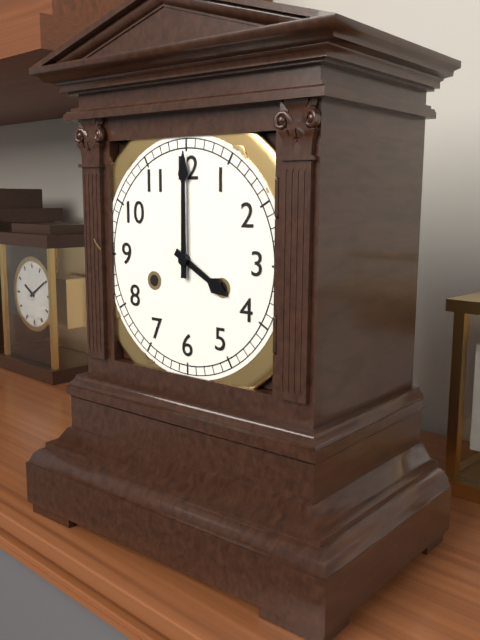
4.00
